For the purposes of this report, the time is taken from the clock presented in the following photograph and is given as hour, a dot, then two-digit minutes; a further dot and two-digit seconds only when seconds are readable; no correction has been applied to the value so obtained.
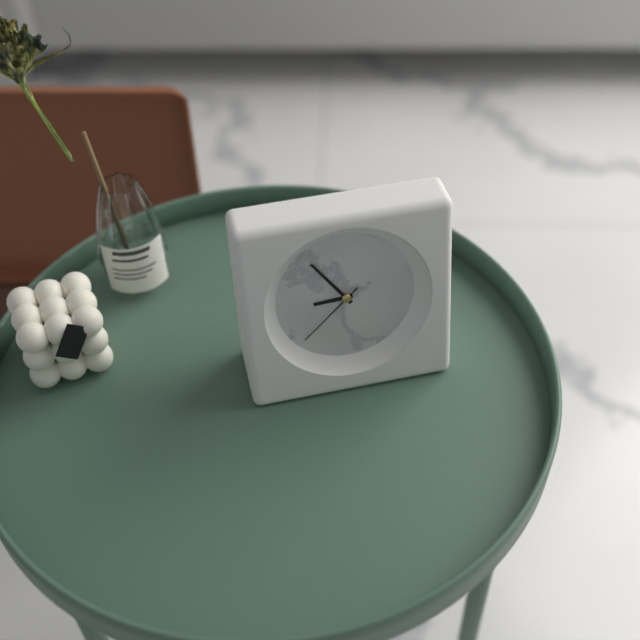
8.54.38
